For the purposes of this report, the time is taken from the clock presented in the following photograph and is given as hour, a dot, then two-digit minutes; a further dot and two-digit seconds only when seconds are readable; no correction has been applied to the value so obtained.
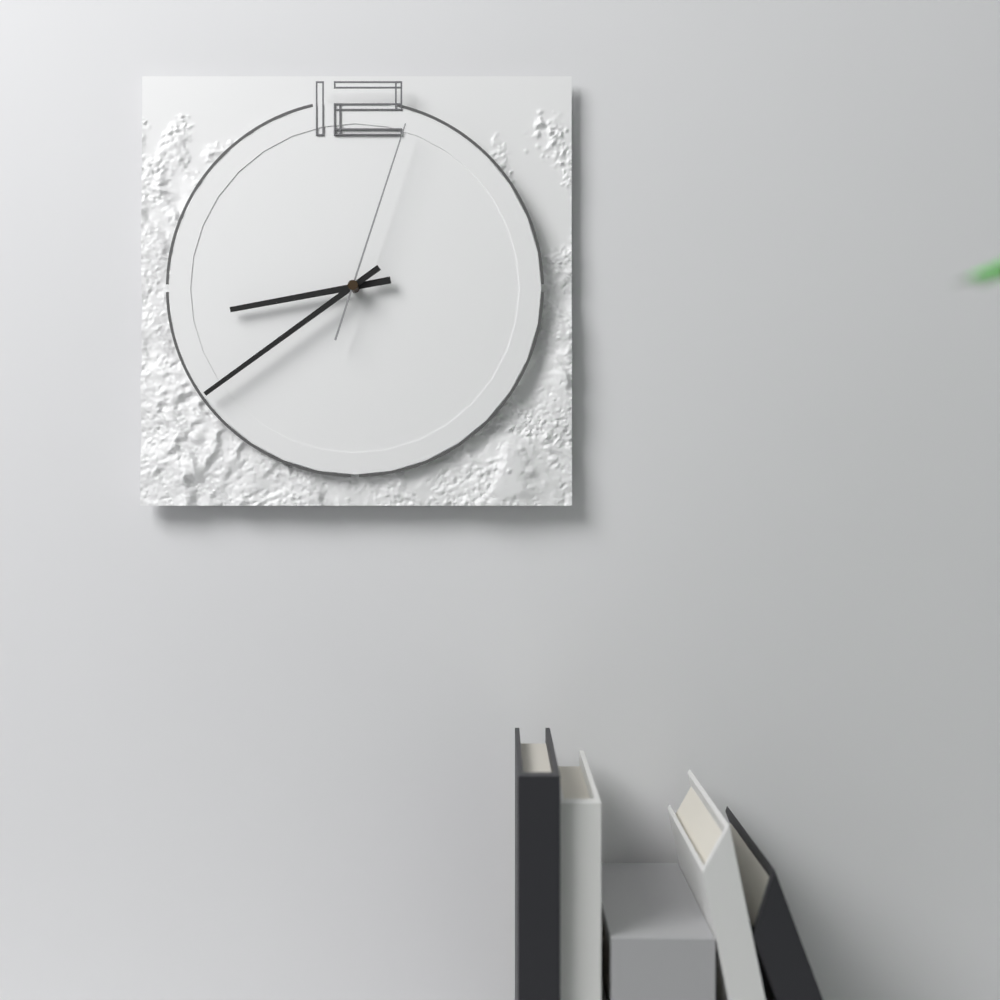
8.39.03
